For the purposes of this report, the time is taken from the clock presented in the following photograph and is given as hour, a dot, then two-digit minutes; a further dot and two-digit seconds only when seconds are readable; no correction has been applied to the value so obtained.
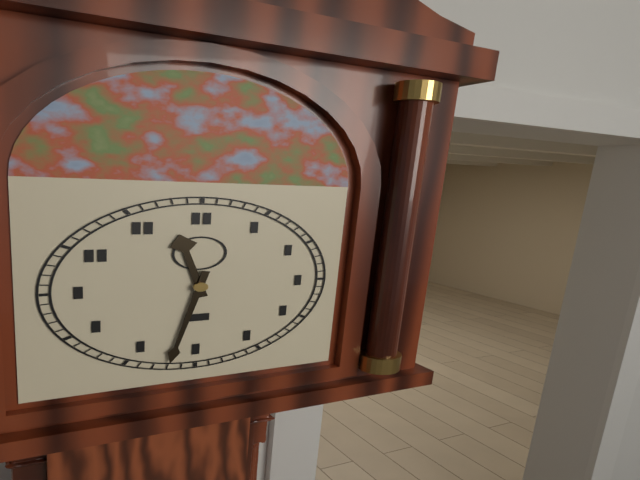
11.32
